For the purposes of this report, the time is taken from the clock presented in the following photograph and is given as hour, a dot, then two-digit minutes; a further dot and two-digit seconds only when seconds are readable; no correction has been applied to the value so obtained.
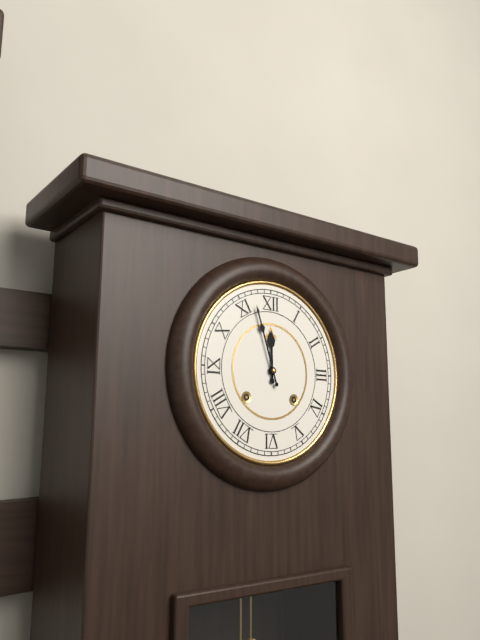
11.57
